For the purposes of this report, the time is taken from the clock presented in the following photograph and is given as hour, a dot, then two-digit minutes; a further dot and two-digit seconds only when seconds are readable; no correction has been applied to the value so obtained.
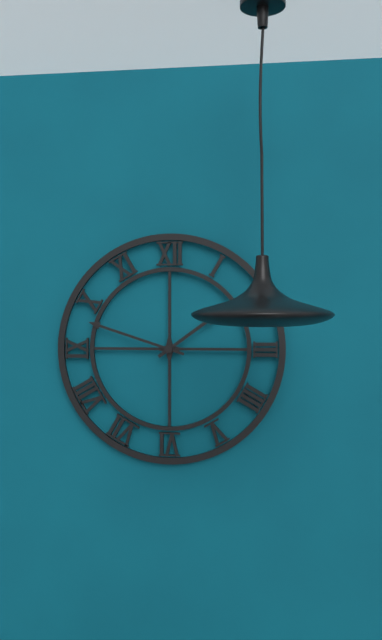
1.48
